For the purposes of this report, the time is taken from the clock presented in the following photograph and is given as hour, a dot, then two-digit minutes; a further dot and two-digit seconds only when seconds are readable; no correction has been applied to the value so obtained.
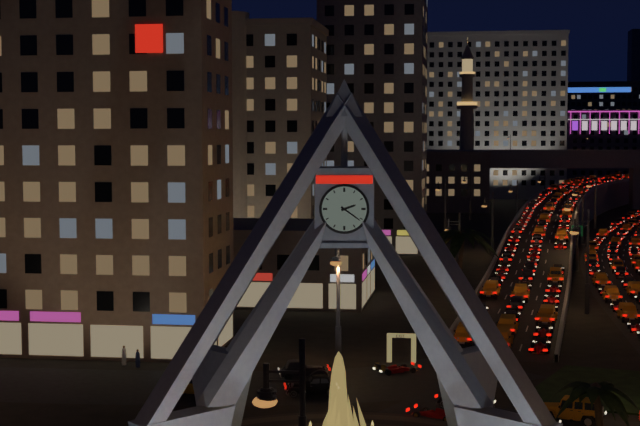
2.21
